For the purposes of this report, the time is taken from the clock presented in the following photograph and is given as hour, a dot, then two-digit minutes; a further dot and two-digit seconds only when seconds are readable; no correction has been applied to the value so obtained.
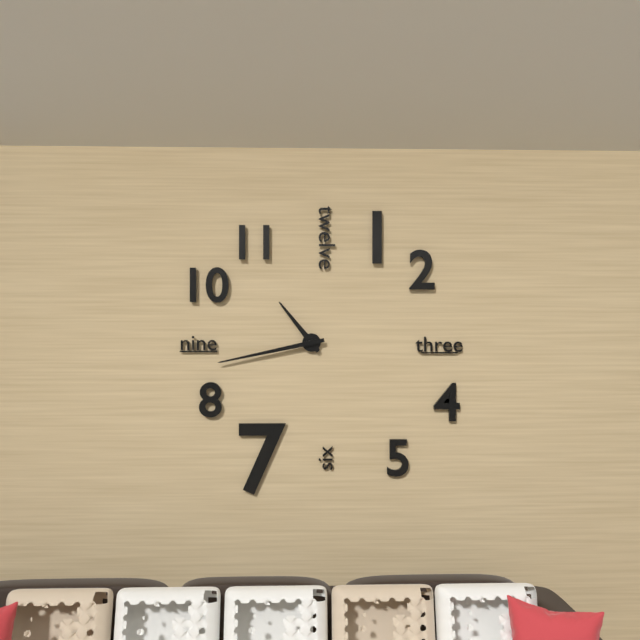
10.43
